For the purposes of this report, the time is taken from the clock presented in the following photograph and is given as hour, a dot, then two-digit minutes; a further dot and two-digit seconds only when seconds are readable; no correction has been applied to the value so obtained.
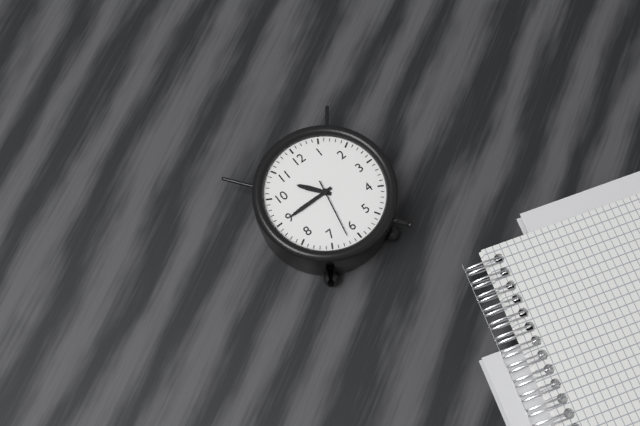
10.45.32
